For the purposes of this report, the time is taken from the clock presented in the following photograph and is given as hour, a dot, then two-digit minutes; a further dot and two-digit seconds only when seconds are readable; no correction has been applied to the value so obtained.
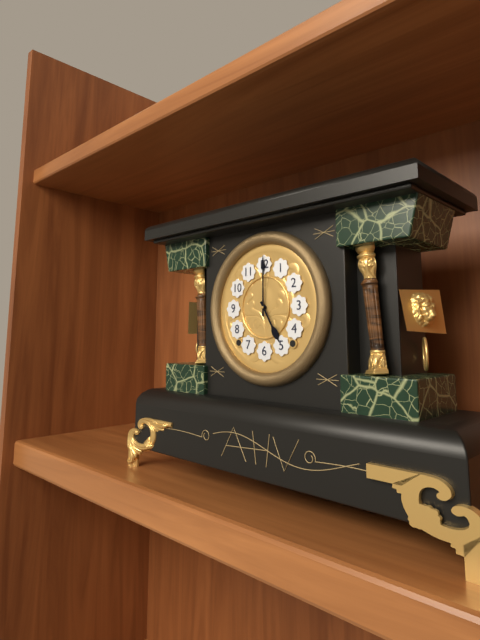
5.00
